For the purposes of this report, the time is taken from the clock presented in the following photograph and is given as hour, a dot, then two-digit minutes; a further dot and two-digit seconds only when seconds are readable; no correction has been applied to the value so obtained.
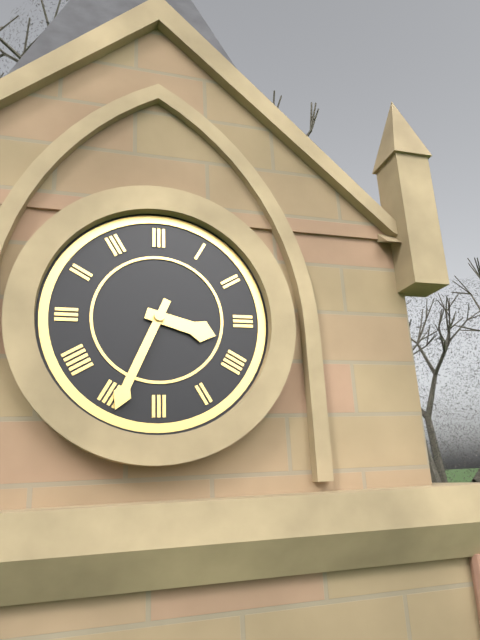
3.34
